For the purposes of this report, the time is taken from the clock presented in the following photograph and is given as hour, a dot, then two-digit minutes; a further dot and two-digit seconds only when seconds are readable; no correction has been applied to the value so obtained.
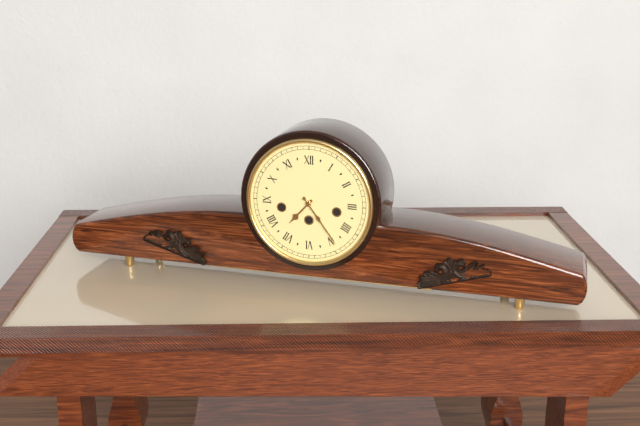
7.24
